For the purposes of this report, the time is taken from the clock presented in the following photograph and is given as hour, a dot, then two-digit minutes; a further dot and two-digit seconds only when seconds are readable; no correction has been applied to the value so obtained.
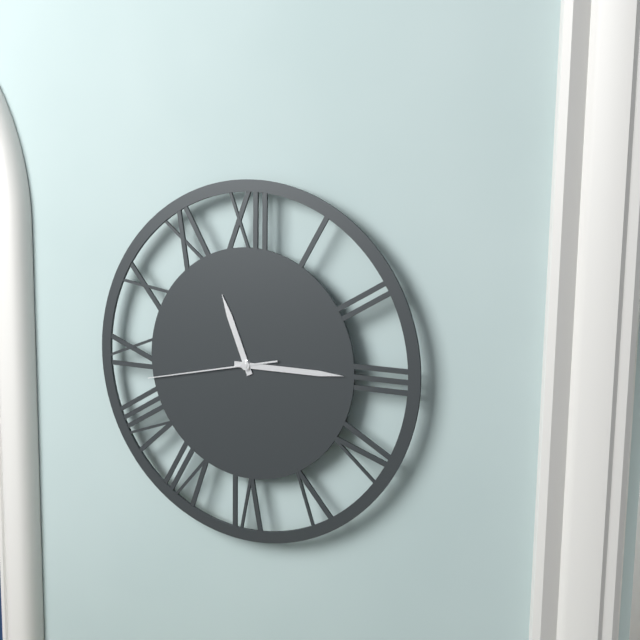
11.15.43
